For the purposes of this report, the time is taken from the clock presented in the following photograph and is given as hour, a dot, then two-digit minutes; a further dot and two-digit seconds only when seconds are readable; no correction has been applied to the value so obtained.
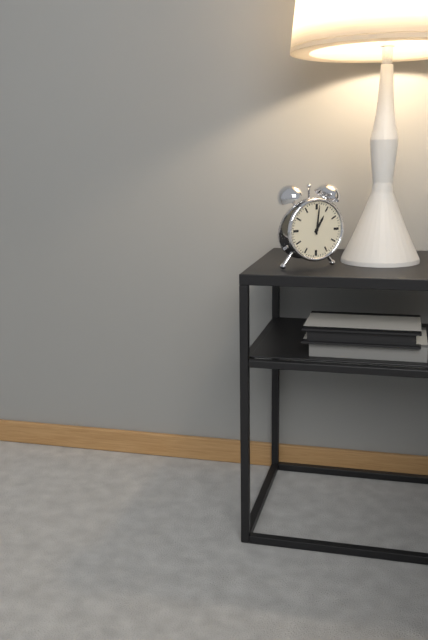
1.01
